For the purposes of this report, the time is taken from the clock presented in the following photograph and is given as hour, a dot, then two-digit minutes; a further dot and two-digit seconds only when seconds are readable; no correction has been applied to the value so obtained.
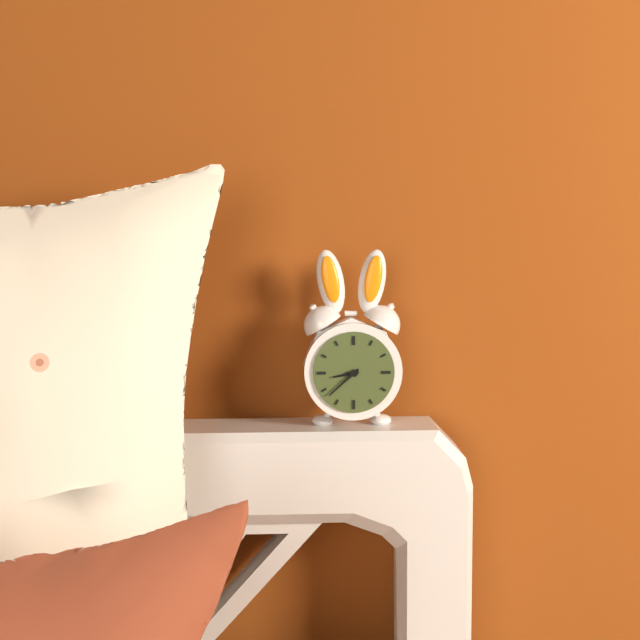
8.38
